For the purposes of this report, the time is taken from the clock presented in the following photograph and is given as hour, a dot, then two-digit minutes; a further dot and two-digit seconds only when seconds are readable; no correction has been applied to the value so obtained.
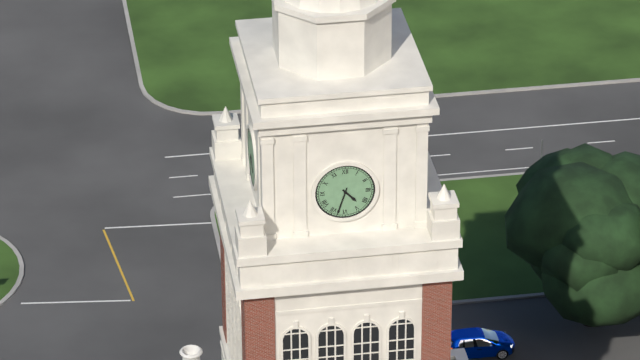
4.33
